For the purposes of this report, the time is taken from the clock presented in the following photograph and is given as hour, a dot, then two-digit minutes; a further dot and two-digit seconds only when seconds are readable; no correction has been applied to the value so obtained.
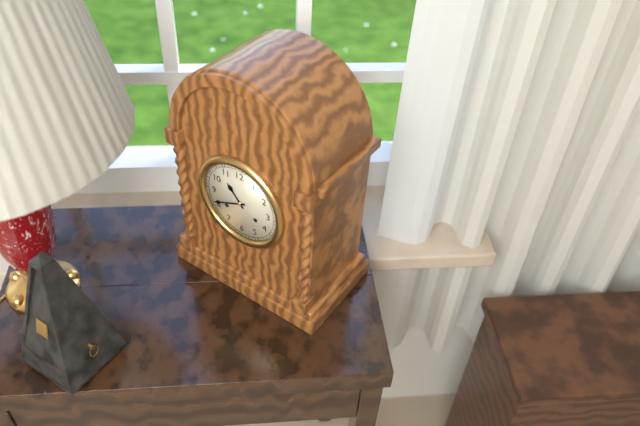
10.41
